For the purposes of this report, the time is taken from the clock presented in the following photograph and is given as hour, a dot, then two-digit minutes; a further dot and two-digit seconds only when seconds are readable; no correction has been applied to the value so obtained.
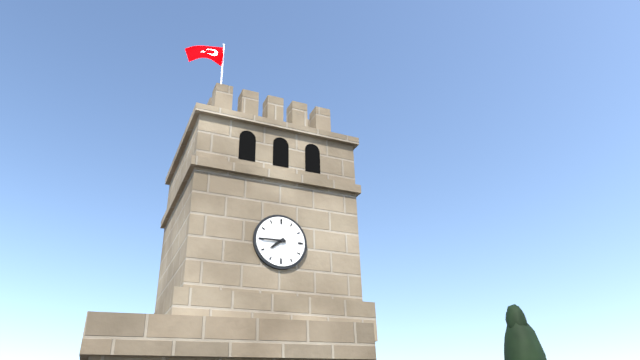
7.45
